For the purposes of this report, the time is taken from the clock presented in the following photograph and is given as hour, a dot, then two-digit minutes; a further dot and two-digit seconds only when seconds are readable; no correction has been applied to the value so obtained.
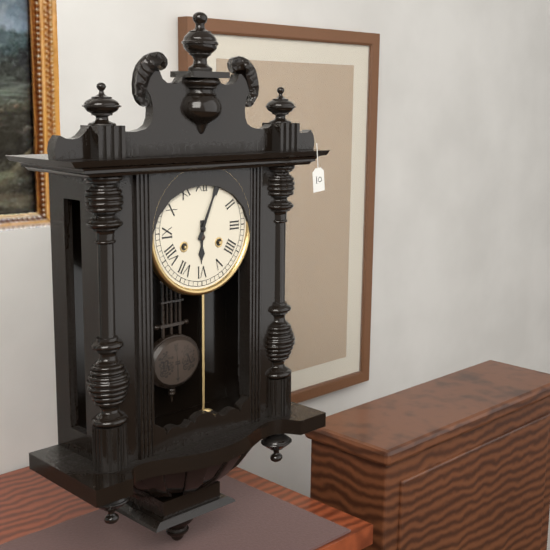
6.04
